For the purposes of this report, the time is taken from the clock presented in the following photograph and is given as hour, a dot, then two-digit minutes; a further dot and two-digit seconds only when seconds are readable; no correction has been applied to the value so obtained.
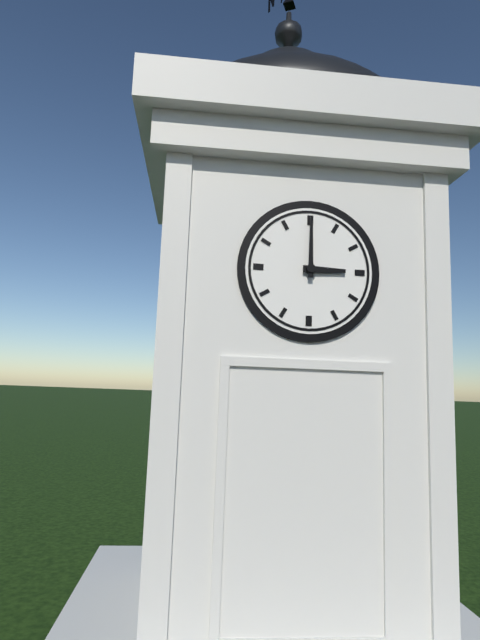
3.00
